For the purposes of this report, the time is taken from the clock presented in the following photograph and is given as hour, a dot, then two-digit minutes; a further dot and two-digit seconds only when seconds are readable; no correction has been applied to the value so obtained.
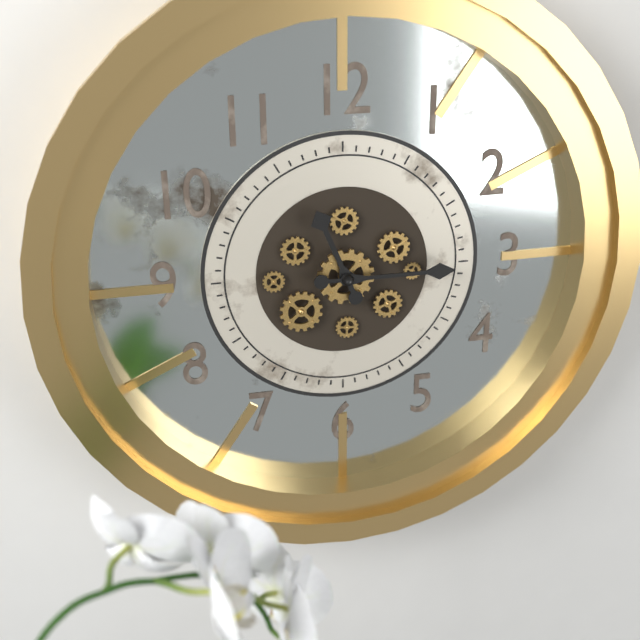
11.15
